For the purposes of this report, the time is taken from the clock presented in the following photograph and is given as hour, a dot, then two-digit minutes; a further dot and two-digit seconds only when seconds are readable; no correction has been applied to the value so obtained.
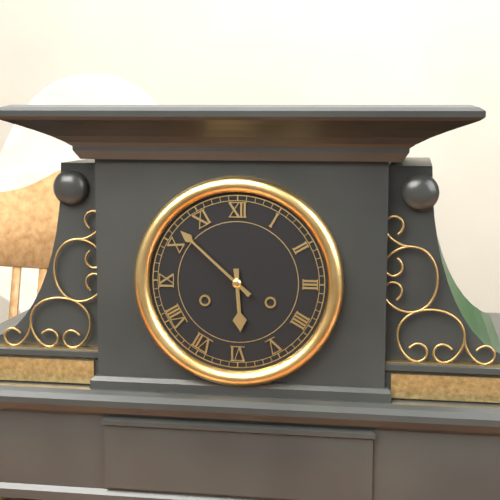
5.52
